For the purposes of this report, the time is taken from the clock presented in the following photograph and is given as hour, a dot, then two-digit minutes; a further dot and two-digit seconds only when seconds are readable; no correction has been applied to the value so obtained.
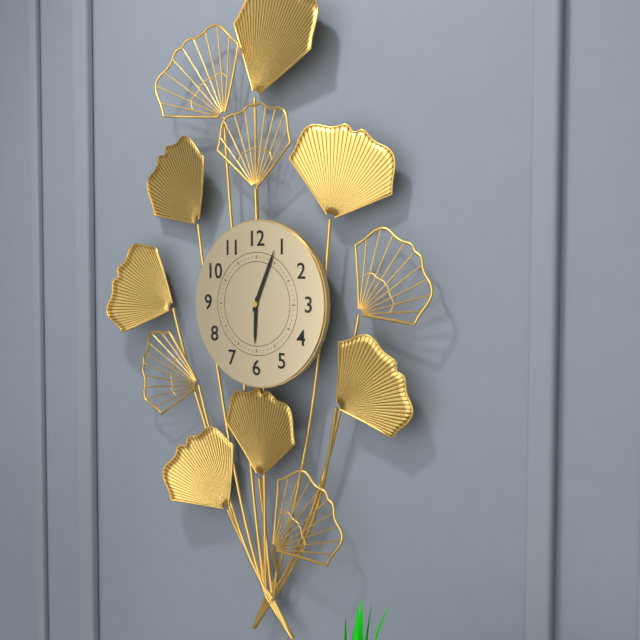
6.04
